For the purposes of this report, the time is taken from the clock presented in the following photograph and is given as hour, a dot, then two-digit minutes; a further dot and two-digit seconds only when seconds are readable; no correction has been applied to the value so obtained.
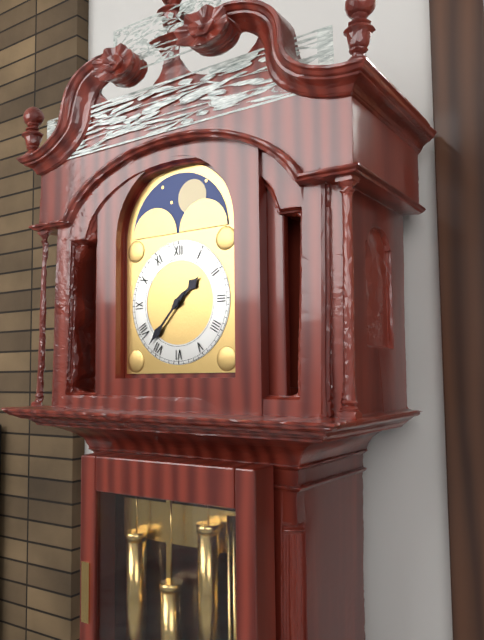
1.37
